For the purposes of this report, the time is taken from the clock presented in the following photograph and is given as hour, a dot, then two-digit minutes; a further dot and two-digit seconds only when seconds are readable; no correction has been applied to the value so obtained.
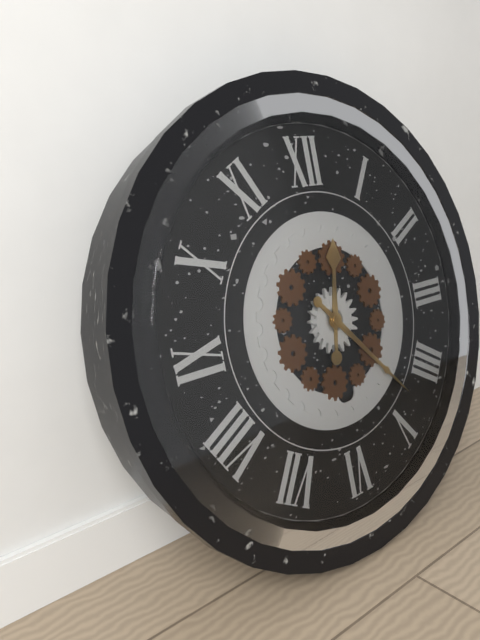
12.23
